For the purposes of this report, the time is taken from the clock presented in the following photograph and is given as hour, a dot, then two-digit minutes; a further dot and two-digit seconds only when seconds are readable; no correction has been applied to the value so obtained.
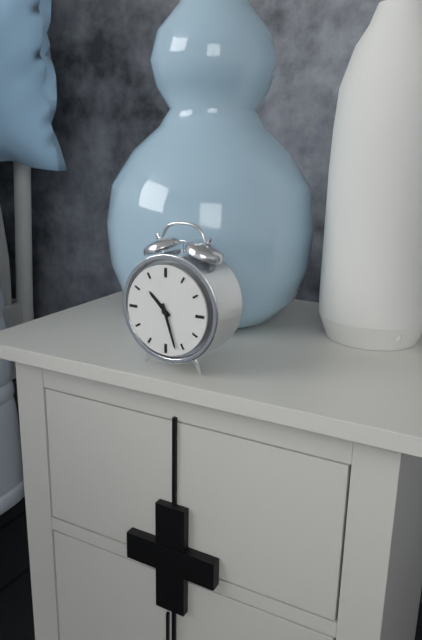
10.27
